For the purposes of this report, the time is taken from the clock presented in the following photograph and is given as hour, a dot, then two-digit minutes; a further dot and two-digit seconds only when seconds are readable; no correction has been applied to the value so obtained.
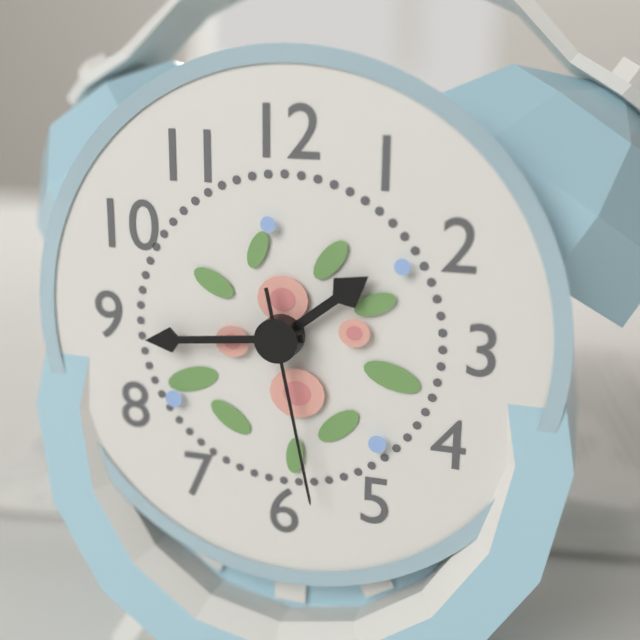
1.44.28
